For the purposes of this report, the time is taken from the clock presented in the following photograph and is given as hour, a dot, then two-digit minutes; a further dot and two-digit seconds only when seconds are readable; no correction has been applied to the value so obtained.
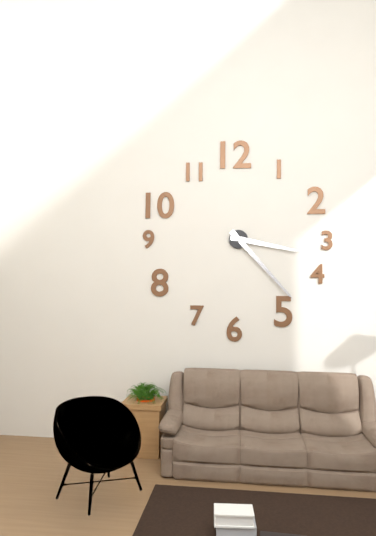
3.23
